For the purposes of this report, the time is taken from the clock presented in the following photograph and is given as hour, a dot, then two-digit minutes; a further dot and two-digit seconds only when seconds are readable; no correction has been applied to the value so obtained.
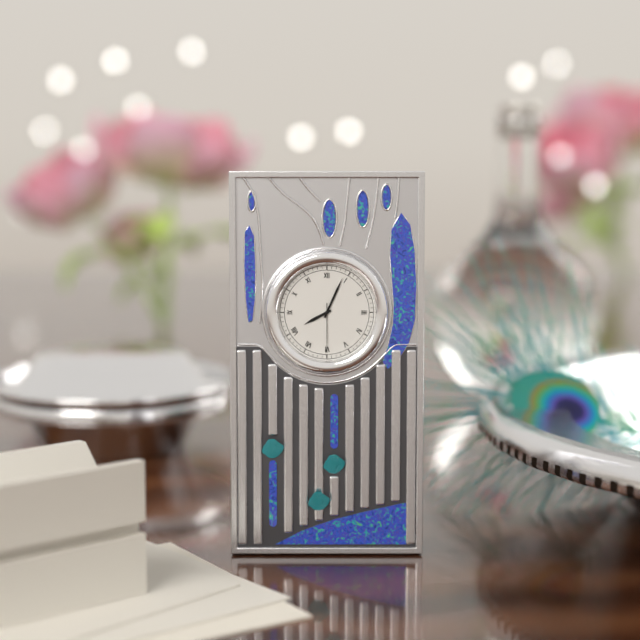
8.04.30
